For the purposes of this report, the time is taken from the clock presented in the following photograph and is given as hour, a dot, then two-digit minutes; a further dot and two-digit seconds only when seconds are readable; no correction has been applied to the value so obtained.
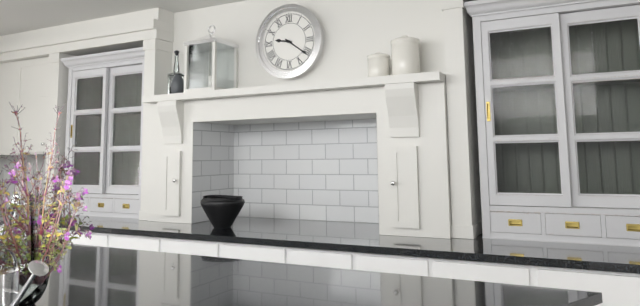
9.21
